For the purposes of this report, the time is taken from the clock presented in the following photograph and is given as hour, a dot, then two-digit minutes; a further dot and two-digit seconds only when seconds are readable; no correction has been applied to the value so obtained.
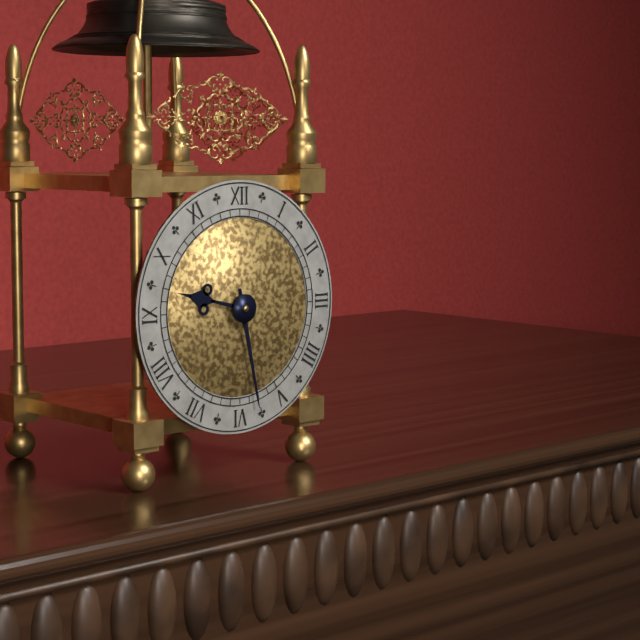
9.28
